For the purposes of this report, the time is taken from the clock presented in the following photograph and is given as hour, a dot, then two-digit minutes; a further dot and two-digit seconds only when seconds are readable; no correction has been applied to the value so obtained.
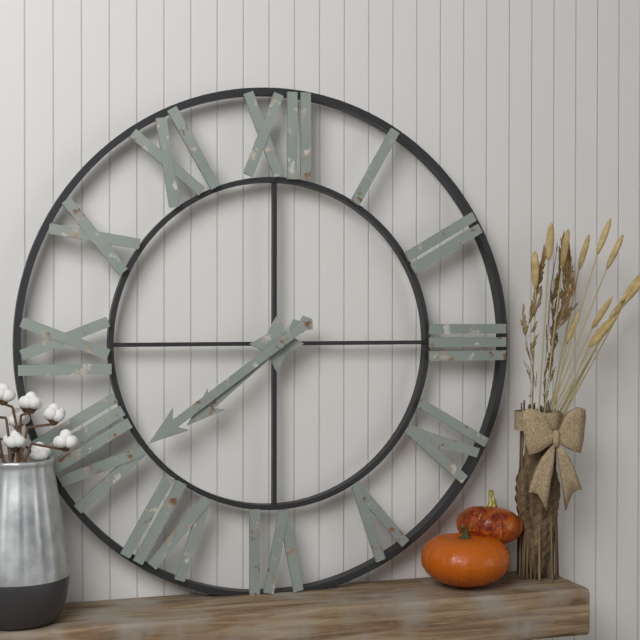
7.39
